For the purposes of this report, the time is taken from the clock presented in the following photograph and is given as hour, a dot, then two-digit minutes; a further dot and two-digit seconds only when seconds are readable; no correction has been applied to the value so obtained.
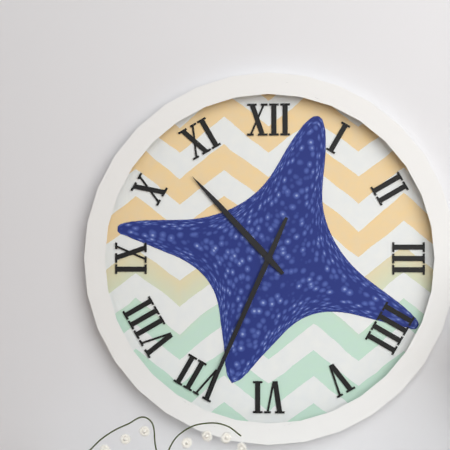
10.34
